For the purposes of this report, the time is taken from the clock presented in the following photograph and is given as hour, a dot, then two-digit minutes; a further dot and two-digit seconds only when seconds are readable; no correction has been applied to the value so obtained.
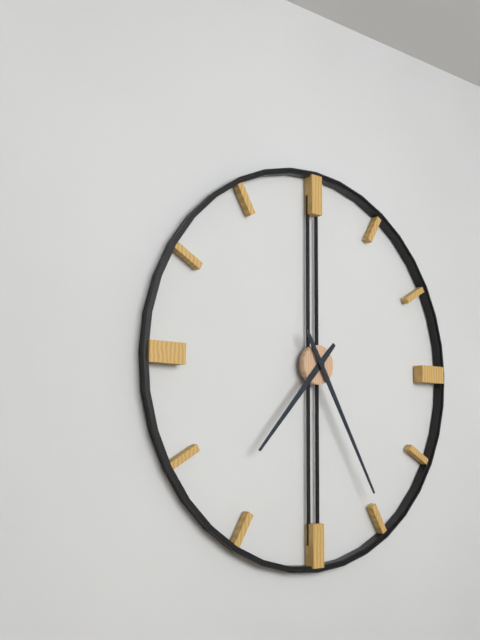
7.25
